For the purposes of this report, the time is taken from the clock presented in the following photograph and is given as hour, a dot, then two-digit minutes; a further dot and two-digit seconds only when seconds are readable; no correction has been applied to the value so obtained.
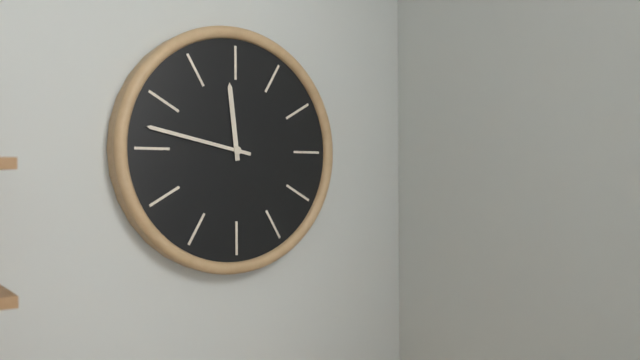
11.47
